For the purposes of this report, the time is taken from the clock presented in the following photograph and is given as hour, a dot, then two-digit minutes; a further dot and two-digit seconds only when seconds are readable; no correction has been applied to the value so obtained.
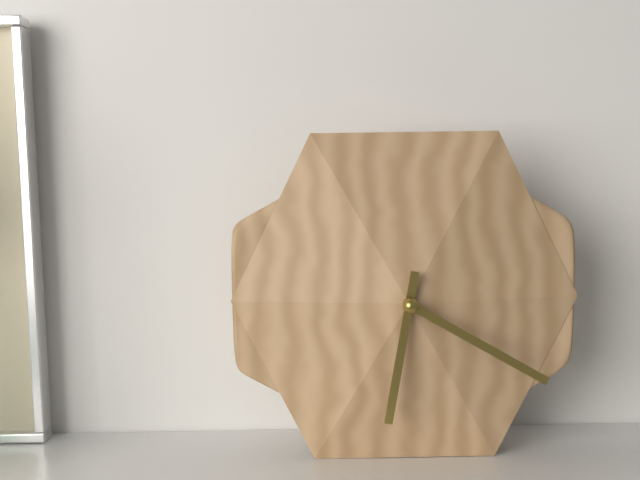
6.20
